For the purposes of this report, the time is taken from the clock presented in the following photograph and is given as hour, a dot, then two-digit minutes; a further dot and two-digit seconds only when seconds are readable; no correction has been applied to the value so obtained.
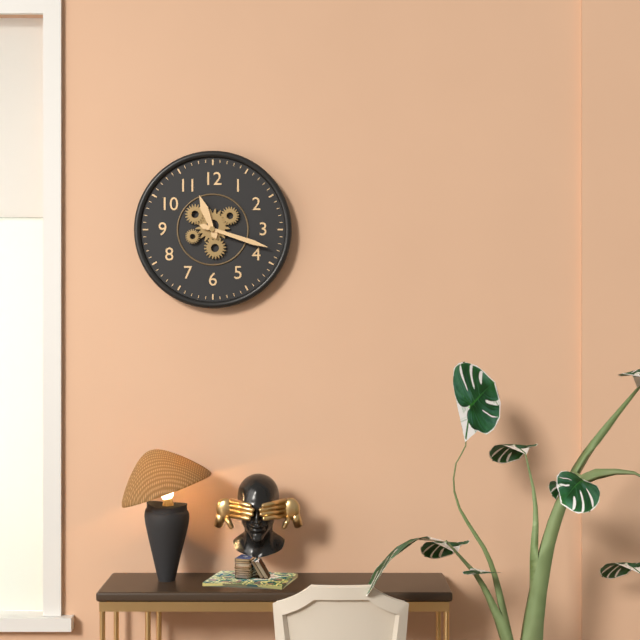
11.18
